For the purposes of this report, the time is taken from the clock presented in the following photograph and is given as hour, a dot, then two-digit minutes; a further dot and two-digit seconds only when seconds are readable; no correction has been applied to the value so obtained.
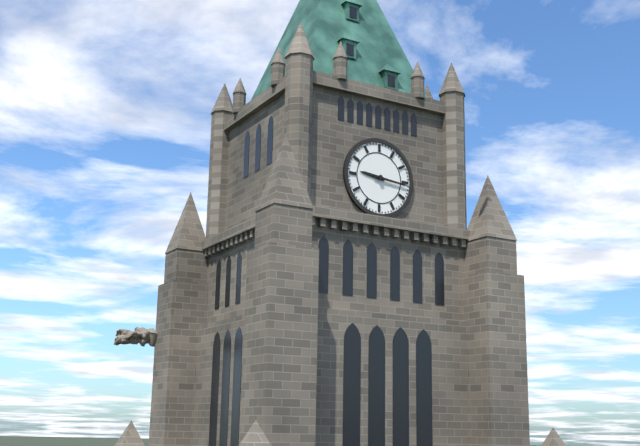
9.16
